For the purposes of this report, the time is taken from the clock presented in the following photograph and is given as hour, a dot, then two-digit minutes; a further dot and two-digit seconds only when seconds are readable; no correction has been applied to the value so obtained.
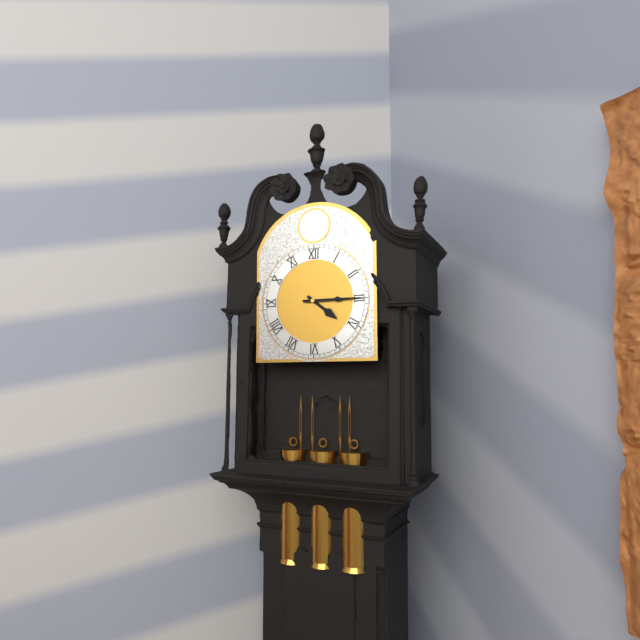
4.15
